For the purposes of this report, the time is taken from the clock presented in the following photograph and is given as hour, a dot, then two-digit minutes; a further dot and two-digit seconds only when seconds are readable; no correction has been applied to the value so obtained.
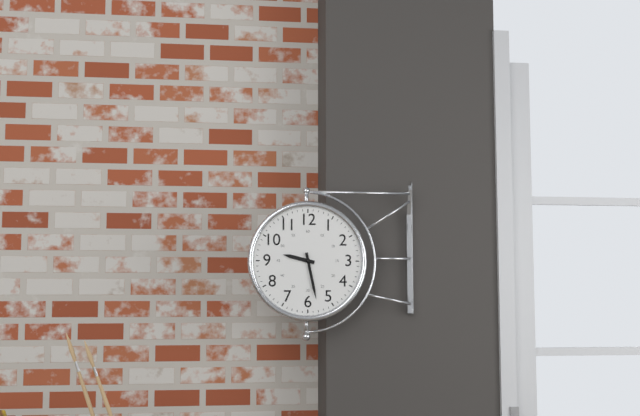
9.28
